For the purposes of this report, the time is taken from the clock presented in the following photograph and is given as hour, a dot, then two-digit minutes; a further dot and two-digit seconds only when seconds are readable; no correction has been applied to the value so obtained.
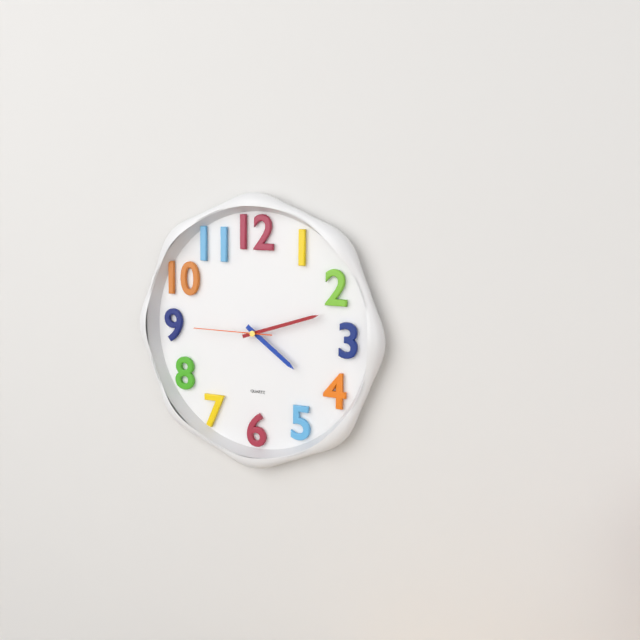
4.12.45
